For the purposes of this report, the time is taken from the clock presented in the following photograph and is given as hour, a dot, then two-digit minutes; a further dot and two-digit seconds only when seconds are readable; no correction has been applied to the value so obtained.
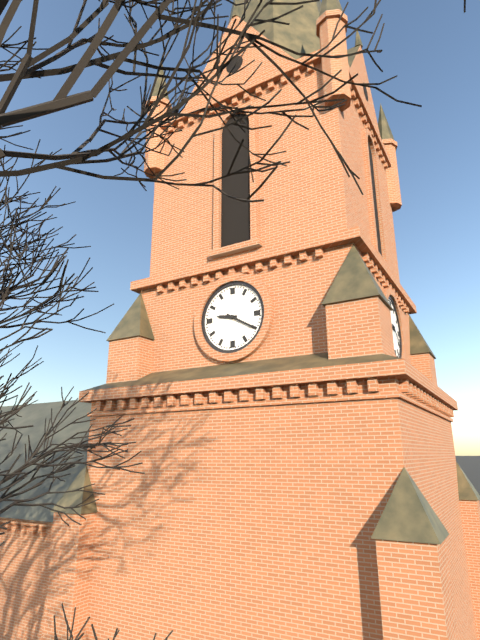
9.20
